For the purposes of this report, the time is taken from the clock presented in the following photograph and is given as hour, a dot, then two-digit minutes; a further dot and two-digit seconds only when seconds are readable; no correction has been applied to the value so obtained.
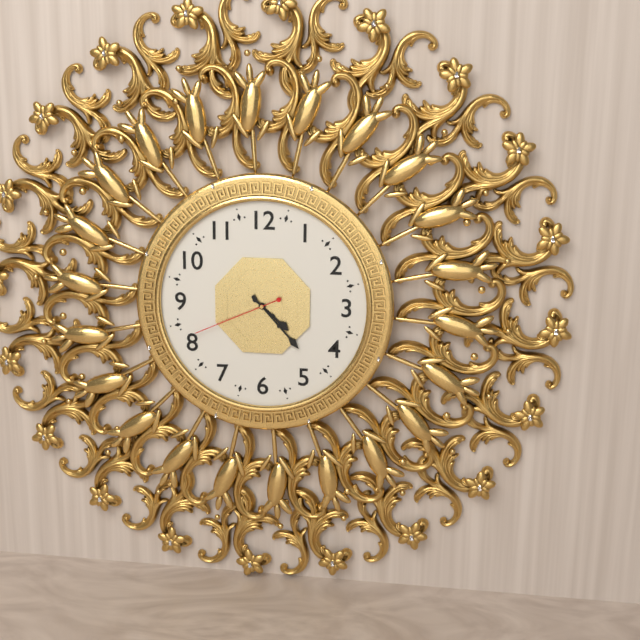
4.23.41
